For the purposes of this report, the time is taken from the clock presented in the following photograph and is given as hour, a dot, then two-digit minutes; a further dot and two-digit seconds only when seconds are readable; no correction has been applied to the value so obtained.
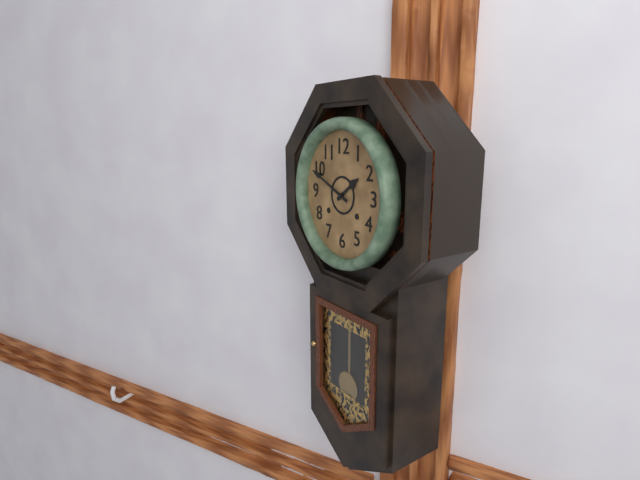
1.49
